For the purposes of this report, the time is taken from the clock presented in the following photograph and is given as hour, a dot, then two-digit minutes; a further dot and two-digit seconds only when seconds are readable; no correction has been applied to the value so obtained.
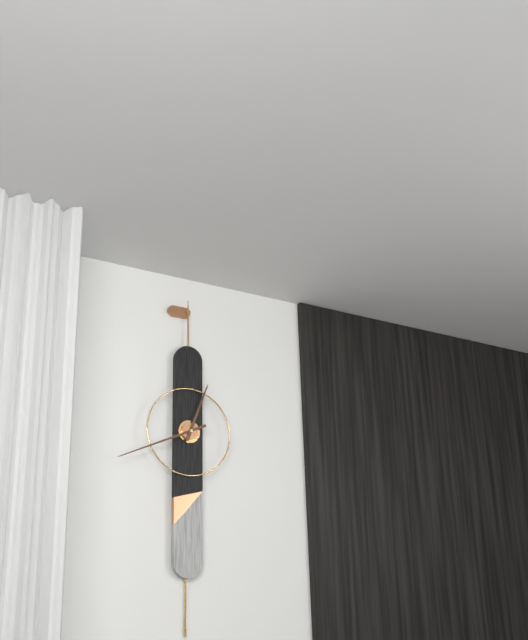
12.41
